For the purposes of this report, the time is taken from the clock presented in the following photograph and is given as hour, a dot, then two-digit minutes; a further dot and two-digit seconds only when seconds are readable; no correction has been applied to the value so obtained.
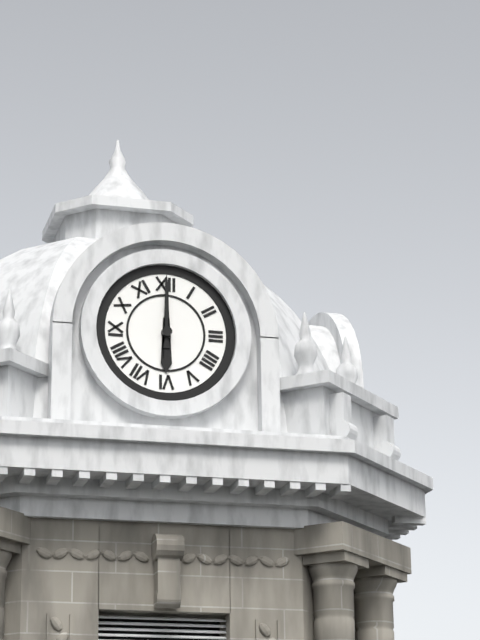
6.00
